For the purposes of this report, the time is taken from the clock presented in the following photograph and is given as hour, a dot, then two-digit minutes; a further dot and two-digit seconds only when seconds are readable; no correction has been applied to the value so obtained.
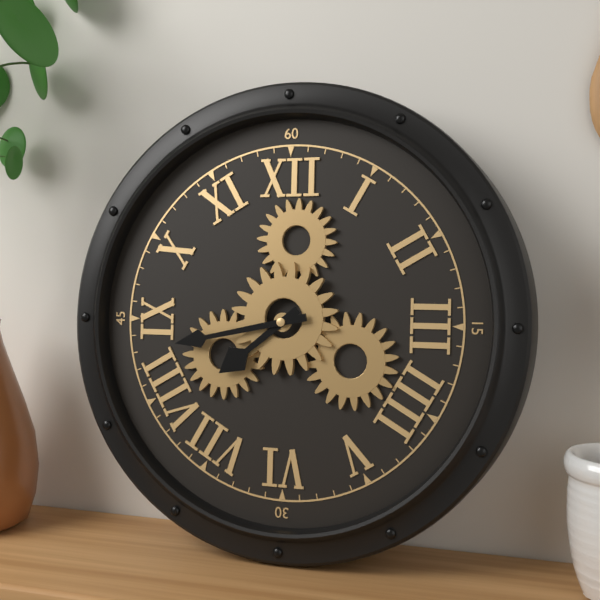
7.43
